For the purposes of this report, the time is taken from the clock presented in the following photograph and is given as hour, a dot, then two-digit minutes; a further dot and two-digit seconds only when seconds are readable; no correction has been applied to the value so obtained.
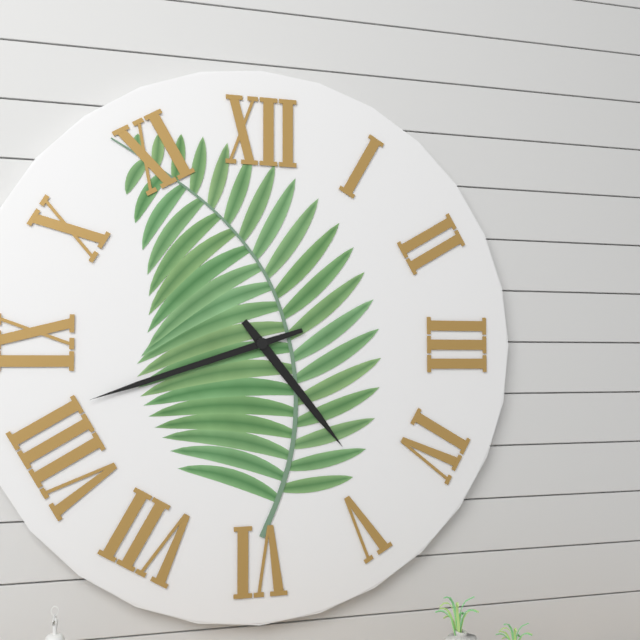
4.42
